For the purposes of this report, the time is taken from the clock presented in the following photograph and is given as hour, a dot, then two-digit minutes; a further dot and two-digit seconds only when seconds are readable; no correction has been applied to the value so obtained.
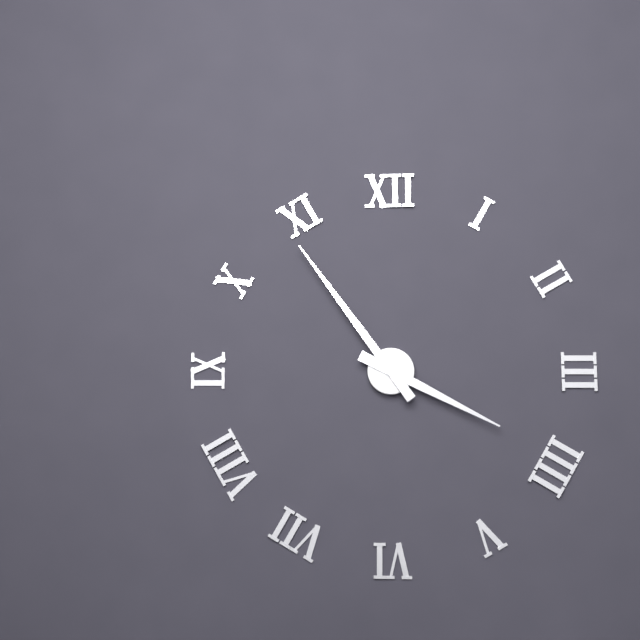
3.54
